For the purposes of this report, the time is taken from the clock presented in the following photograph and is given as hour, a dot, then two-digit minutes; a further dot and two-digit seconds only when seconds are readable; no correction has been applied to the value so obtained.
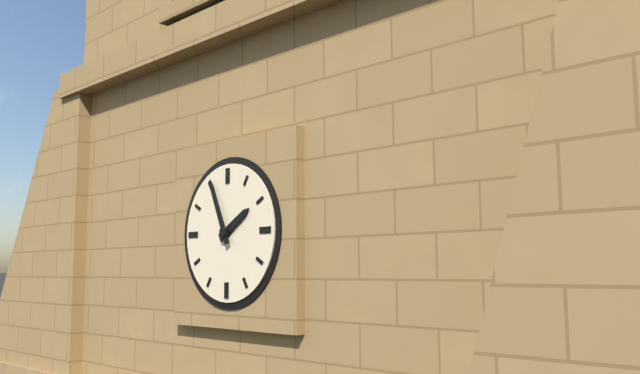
1.56
